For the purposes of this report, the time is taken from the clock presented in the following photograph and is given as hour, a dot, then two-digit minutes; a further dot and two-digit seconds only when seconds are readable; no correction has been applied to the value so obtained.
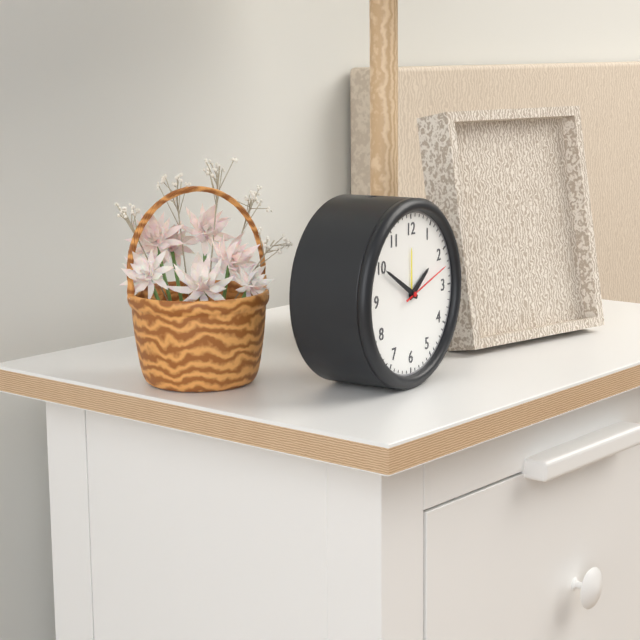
1.50.12
